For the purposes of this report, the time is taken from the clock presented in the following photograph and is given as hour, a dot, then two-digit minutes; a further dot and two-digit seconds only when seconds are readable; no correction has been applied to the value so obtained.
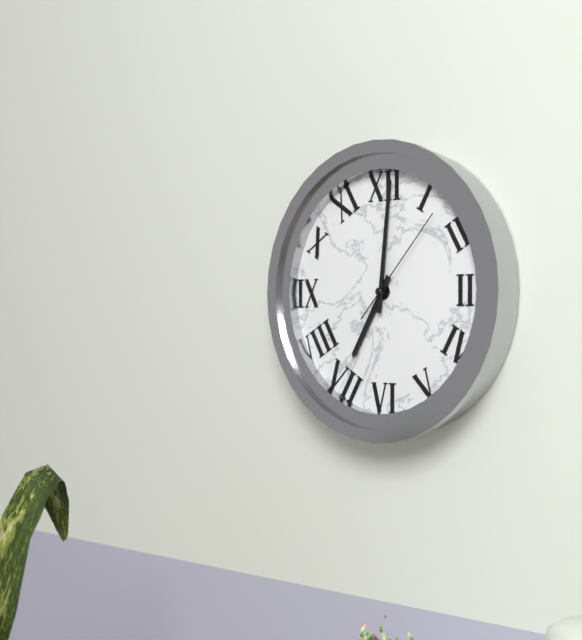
7.01.07
